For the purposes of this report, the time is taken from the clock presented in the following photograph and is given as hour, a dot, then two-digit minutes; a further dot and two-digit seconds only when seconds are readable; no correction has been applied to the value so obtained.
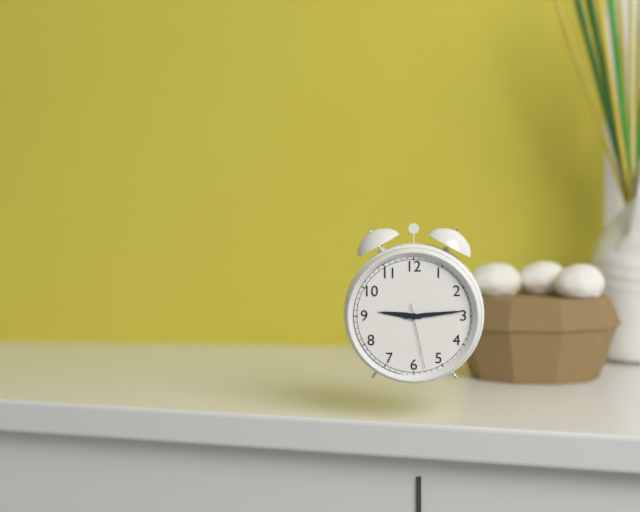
9.14.28
